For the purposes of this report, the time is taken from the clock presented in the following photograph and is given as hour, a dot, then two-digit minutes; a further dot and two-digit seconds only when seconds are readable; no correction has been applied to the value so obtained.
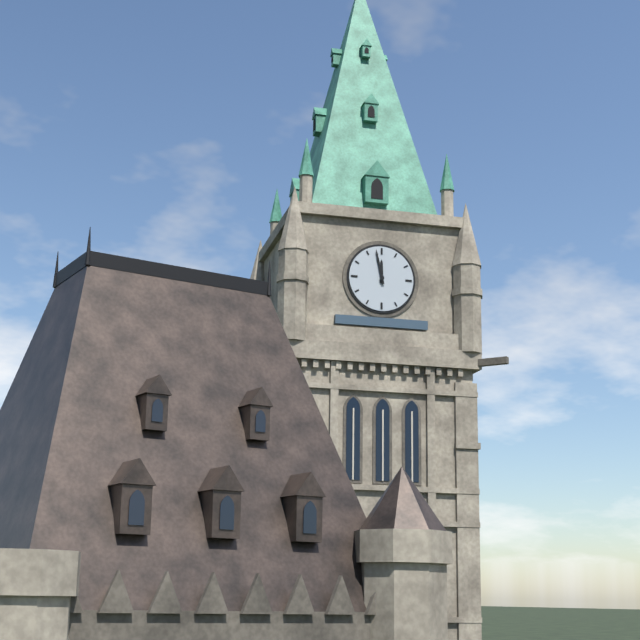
11.58
